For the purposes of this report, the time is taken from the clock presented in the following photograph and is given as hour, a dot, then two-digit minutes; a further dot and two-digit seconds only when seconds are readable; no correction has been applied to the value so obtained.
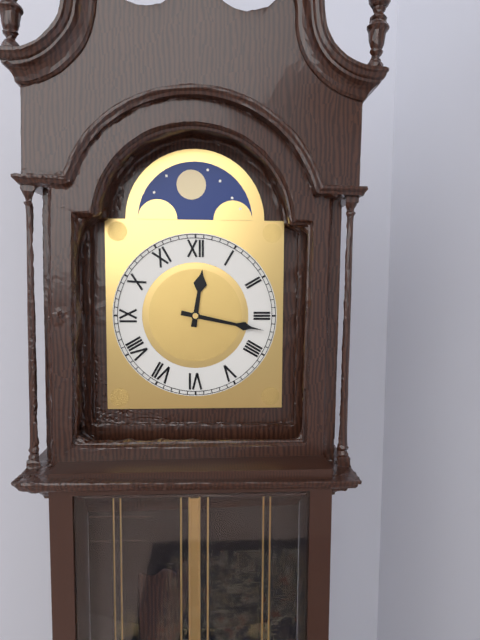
12.17
